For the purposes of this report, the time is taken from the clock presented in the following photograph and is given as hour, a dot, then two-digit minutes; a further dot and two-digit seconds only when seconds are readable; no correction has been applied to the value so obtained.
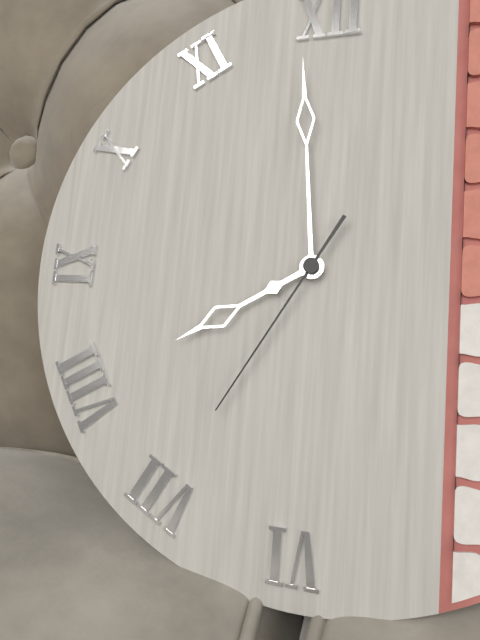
7.59.35
